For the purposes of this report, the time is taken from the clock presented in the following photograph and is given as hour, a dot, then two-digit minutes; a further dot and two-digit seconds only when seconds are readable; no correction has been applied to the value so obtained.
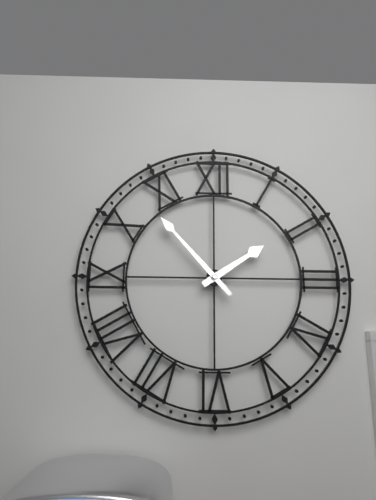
1.53
